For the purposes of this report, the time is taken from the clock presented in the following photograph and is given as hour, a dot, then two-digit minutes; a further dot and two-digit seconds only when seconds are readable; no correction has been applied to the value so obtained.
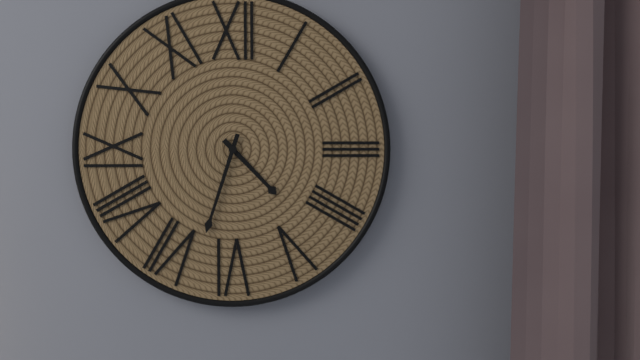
4.33
